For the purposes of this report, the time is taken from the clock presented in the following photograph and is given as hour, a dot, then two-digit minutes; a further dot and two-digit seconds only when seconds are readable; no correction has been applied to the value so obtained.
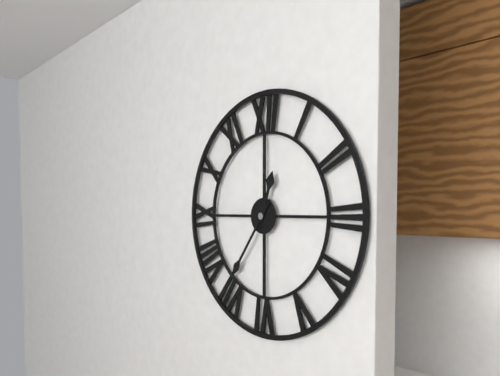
12.36
